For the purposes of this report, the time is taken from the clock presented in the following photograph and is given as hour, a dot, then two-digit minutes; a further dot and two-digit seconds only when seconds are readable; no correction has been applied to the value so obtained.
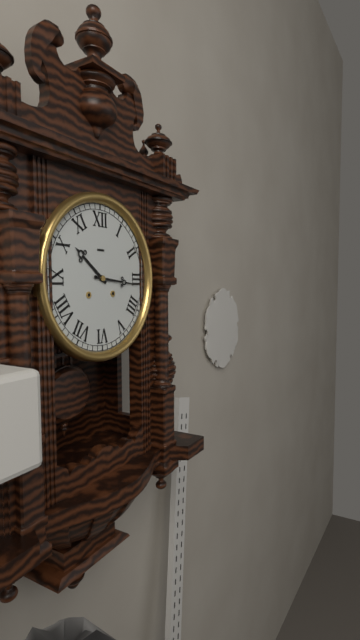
10.16
